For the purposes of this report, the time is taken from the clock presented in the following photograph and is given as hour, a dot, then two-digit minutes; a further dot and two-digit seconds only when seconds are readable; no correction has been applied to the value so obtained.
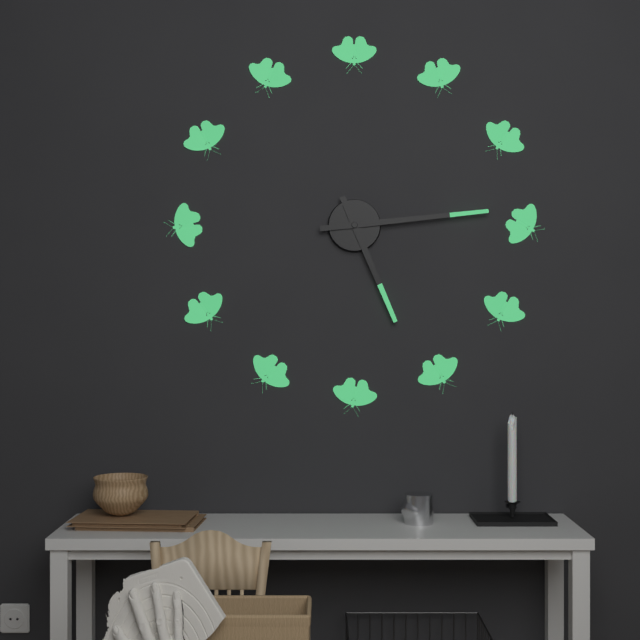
5.14
